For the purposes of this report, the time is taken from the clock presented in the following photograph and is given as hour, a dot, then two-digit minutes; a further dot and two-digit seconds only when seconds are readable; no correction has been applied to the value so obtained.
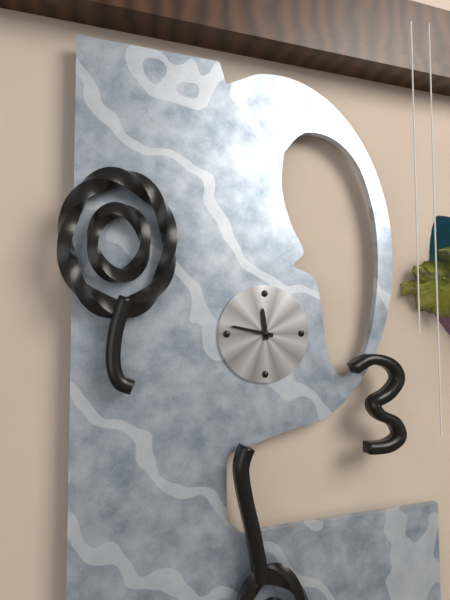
11.47
